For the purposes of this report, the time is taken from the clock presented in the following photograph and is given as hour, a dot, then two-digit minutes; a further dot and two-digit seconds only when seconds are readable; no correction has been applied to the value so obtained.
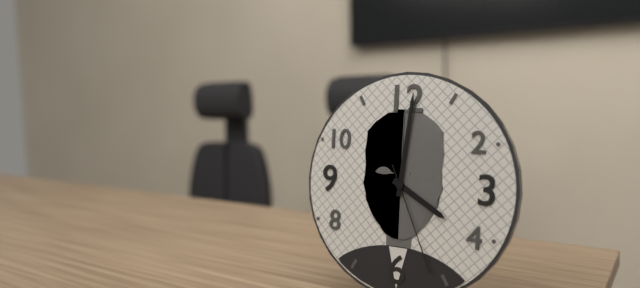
4.01.26
